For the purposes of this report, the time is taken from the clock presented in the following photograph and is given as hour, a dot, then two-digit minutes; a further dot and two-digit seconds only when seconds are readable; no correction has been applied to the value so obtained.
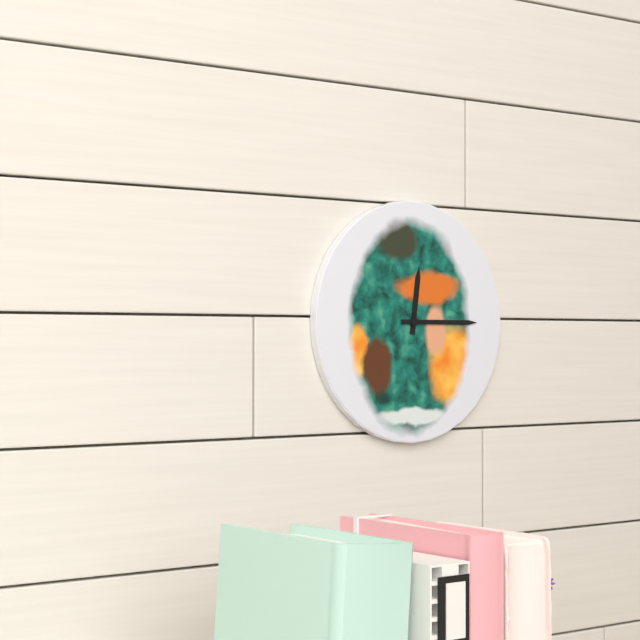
12.15
